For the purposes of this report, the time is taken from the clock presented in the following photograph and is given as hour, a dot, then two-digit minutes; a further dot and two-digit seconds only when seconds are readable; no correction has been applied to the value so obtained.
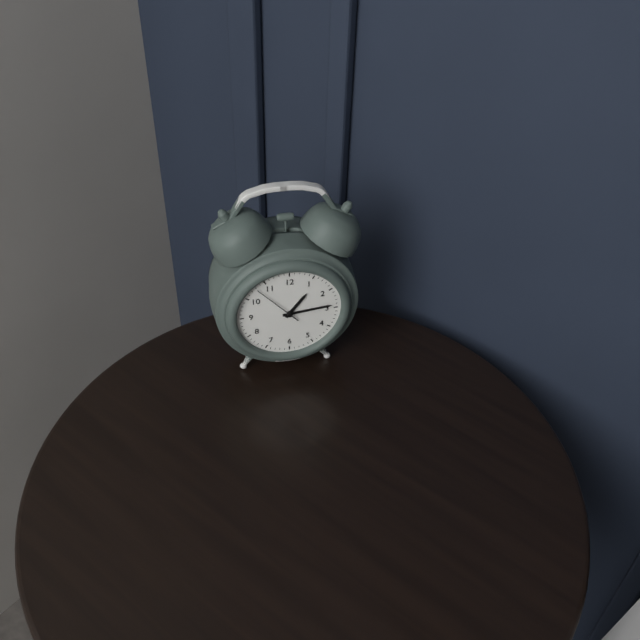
1.14
